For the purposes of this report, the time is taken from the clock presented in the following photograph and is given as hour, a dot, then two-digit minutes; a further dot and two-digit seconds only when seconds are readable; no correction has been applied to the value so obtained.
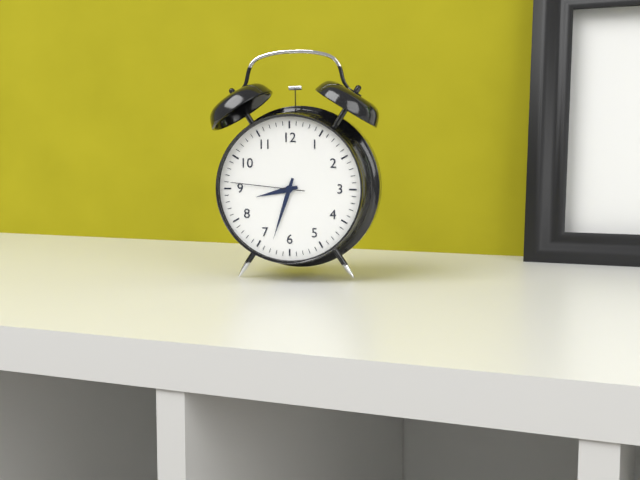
8.33.46
